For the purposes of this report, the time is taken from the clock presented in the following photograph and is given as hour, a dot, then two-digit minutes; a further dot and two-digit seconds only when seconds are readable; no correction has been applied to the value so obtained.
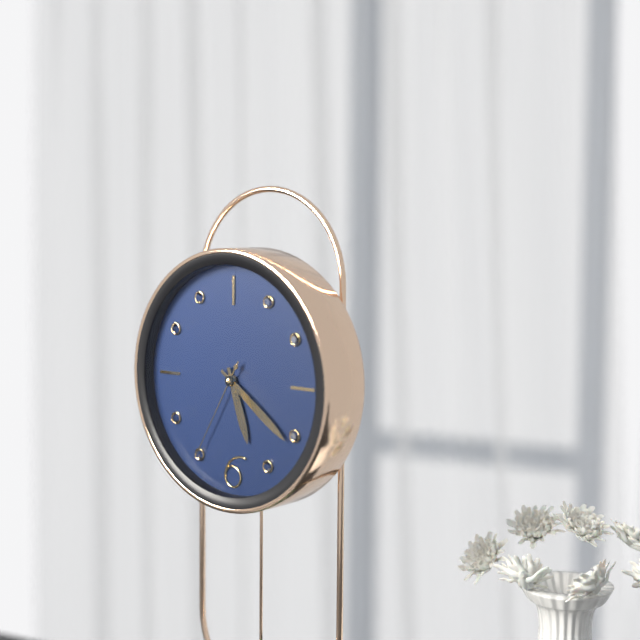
5.21.35
